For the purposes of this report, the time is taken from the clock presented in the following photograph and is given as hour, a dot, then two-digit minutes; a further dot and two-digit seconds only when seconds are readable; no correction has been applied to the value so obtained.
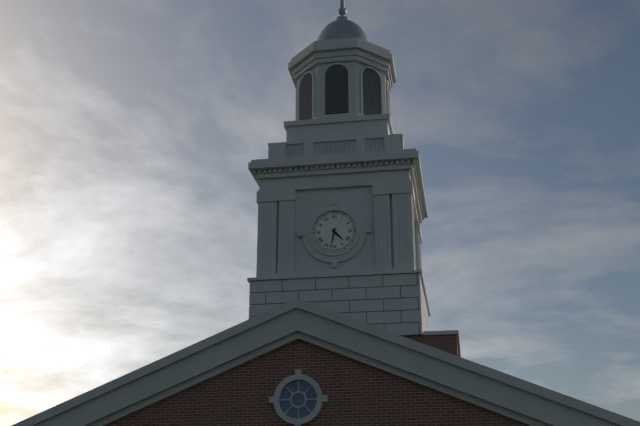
4.32
